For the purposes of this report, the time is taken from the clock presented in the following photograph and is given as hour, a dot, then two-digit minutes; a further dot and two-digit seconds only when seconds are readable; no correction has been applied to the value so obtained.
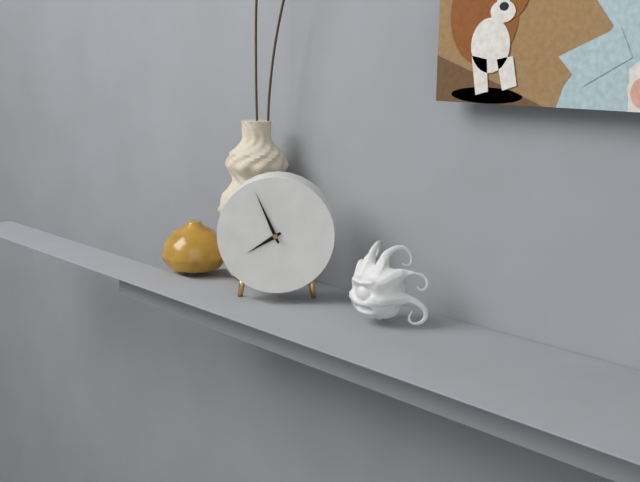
7.56
